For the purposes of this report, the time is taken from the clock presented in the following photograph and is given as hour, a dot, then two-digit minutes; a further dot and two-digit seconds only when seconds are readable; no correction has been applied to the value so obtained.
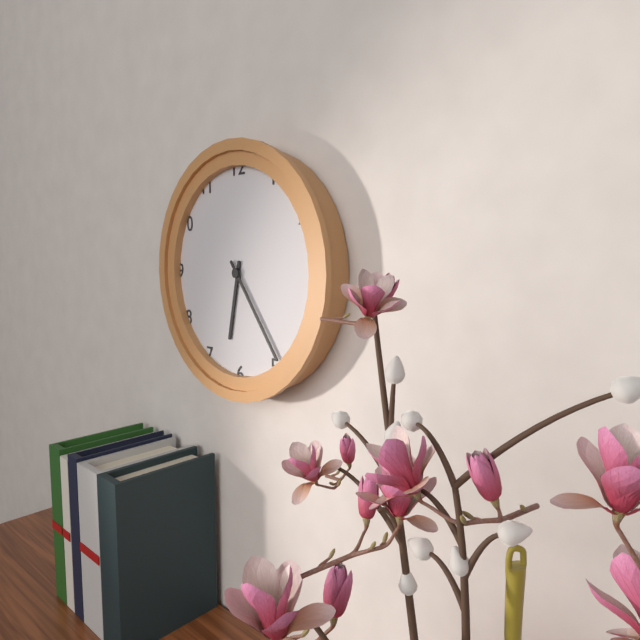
6.24
